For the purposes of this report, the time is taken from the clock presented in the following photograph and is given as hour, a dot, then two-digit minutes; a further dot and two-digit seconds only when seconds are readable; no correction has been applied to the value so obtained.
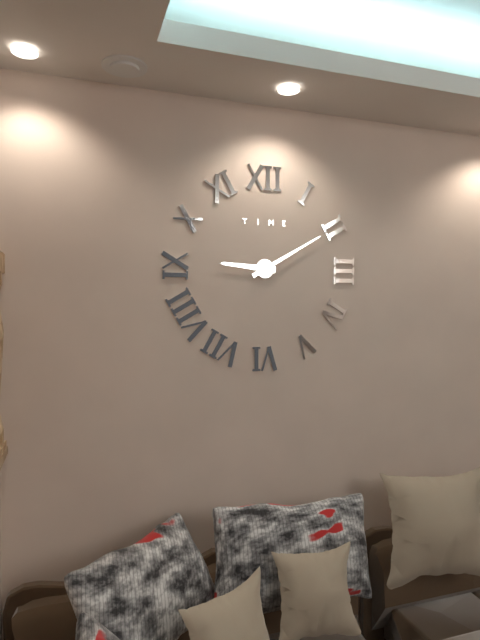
9.10
